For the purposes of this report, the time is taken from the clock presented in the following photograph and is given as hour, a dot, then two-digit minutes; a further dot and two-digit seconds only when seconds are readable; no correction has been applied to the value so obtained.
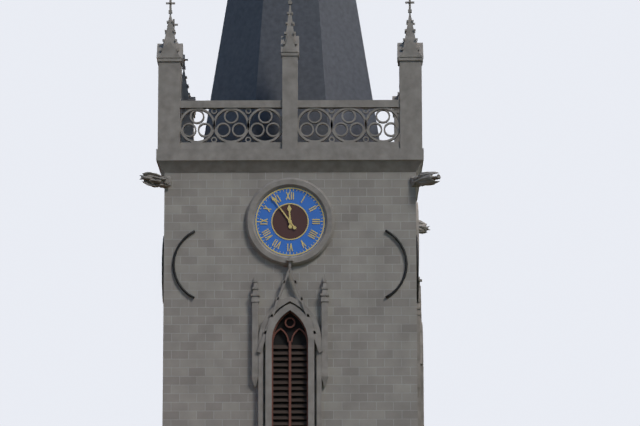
11.54
